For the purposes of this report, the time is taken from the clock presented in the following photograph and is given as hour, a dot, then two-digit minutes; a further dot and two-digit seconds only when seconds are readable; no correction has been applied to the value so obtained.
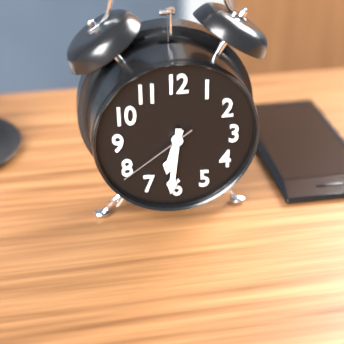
6.31.39
